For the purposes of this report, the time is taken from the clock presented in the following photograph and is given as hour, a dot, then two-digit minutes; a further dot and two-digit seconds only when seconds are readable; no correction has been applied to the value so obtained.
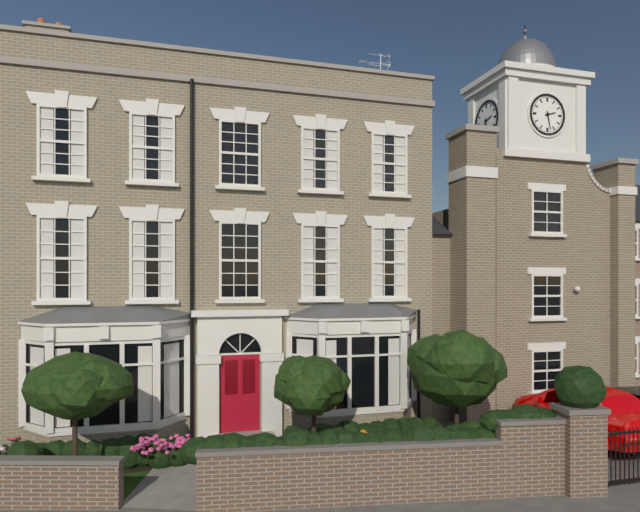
2.28
